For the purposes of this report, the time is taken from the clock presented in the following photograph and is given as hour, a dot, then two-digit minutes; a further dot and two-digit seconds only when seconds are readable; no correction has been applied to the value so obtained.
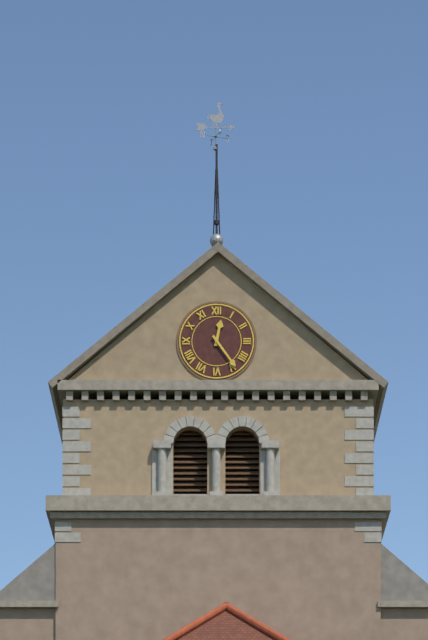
12.24
